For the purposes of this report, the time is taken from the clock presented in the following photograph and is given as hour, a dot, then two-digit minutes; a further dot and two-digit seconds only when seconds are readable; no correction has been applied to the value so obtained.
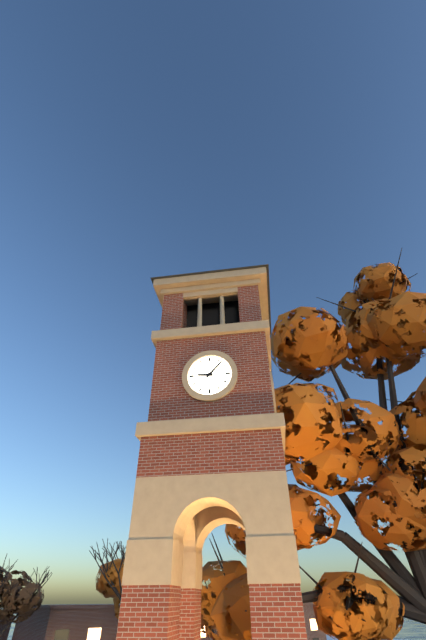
9.07
